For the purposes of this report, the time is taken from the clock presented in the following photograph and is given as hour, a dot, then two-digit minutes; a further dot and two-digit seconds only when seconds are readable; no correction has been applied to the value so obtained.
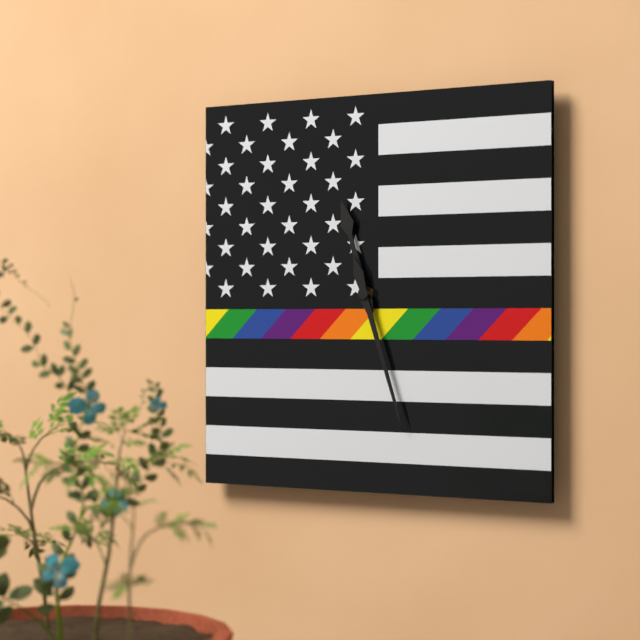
11.27
